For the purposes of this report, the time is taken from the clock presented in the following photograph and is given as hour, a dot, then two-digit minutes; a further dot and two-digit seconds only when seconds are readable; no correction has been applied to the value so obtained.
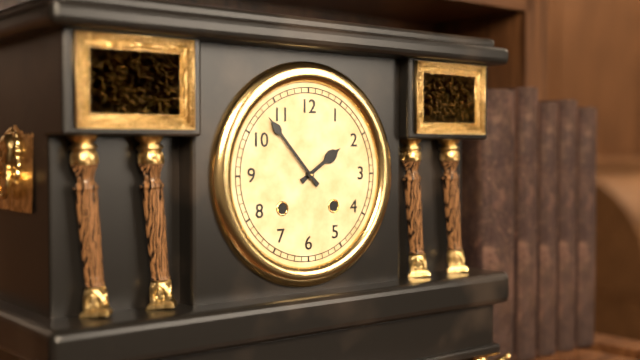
1.53
